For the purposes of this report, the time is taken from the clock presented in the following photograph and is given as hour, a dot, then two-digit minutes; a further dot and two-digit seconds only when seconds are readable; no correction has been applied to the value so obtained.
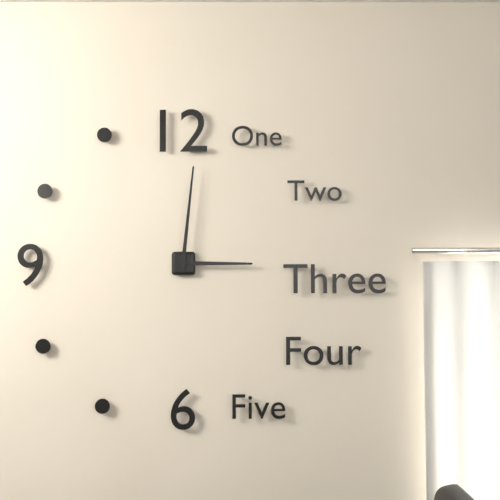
3.01
